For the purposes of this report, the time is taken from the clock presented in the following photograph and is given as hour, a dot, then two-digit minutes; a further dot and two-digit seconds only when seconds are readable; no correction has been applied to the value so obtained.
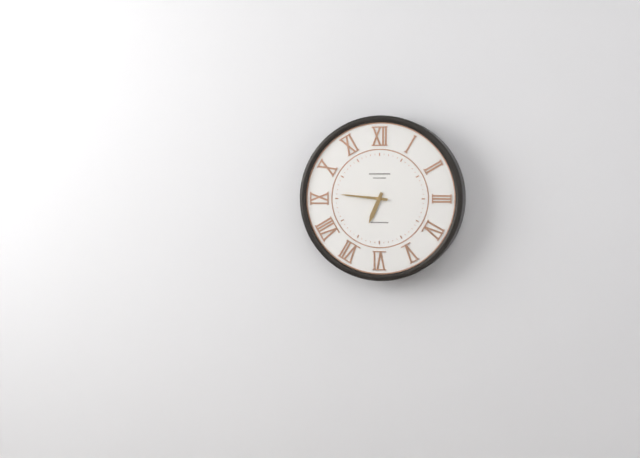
6.46
